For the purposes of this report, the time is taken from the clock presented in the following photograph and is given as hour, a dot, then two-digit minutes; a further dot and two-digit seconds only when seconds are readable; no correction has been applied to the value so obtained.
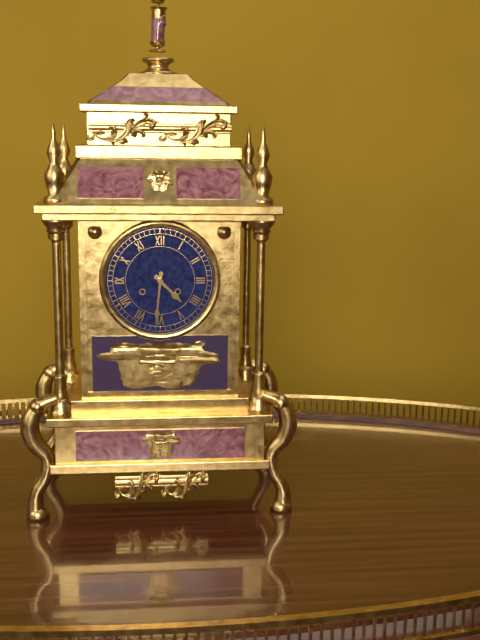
4.31
